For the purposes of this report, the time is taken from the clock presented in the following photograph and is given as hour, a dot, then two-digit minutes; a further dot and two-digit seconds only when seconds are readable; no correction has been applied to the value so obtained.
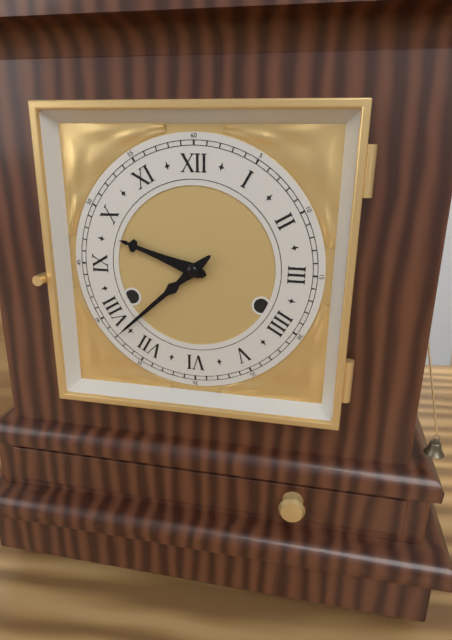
9.38
